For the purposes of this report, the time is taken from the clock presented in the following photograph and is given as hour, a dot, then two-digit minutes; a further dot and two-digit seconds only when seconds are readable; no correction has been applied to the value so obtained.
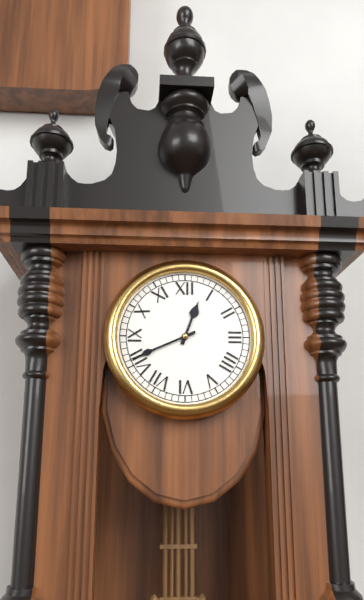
12.41
